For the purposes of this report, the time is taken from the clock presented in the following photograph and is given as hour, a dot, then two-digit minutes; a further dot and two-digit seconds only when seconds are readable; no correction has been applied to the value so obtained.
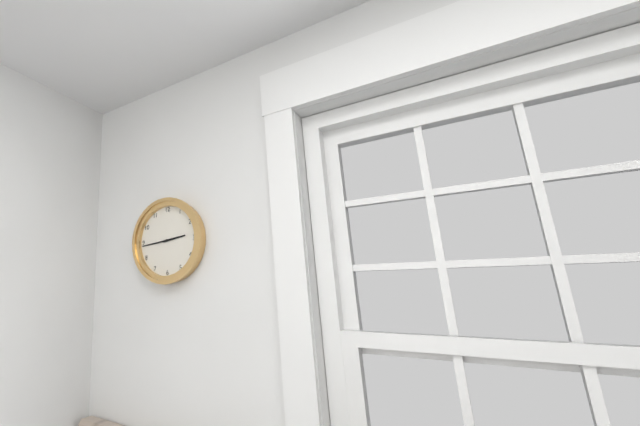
2.44
